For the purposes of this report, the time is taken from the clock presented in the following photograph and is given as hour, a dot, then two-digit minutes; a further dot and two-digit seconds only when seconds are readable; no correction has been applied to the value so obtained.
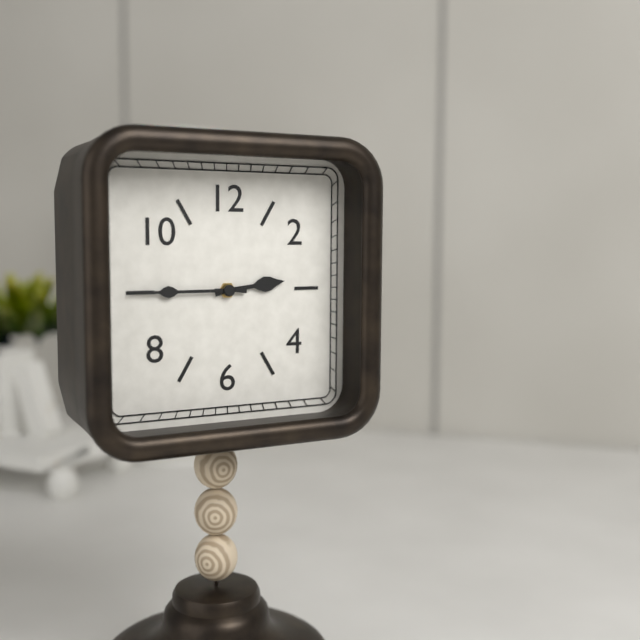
2.45
